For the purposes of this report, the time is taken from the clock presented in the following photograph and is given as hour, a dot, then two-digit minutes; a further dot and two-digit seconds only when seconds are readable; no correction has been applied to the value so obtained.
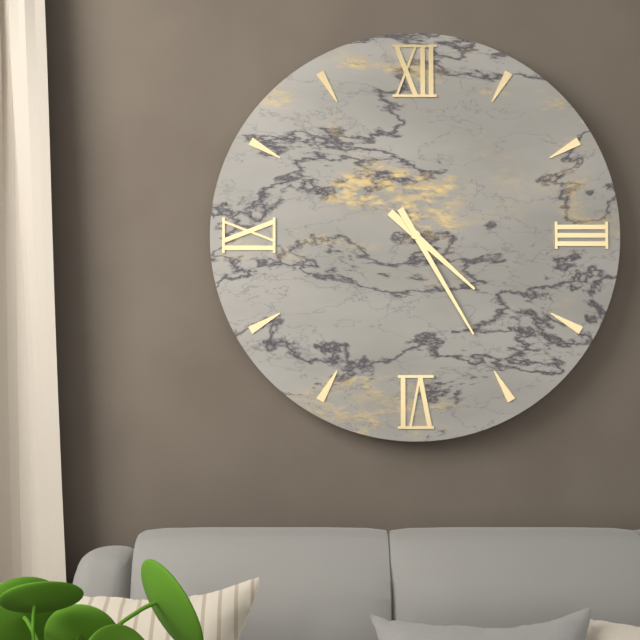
4.25
